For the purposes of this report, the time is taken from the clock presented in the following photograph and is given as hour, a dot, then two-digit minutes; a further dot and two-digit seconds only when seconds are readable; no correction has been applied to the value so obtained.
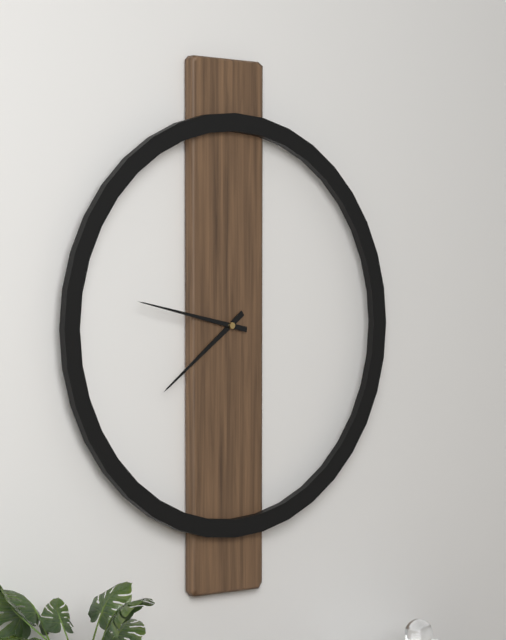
7.47
